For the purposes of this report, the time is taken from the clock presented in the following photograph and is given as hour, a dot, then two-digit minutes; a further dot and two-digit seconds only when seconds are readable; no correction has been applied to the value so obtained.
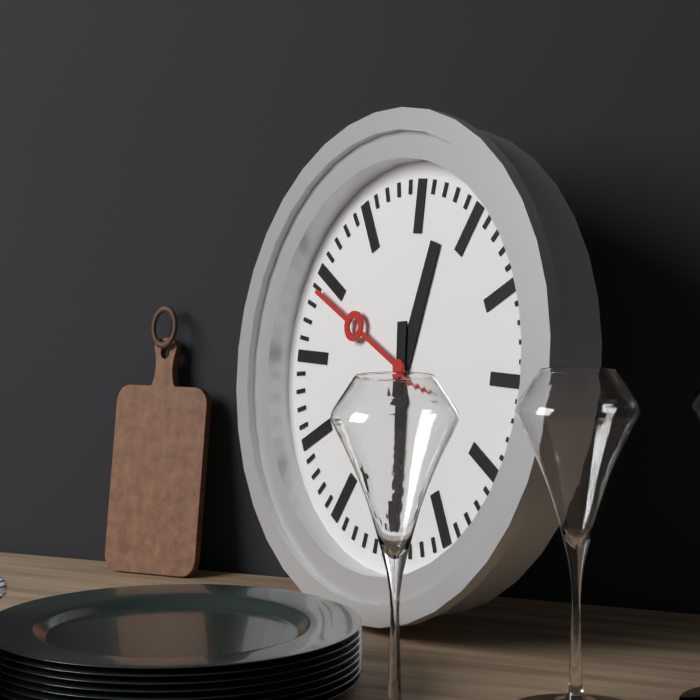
12.29.49
